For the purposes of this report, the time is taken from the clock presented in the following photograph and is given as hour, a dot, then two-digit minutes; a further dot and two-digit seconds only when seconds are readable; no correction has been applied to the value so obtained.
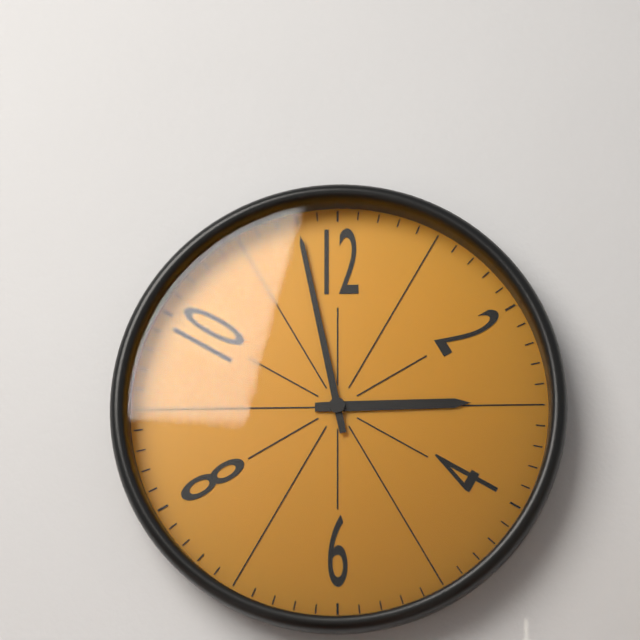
2.58
